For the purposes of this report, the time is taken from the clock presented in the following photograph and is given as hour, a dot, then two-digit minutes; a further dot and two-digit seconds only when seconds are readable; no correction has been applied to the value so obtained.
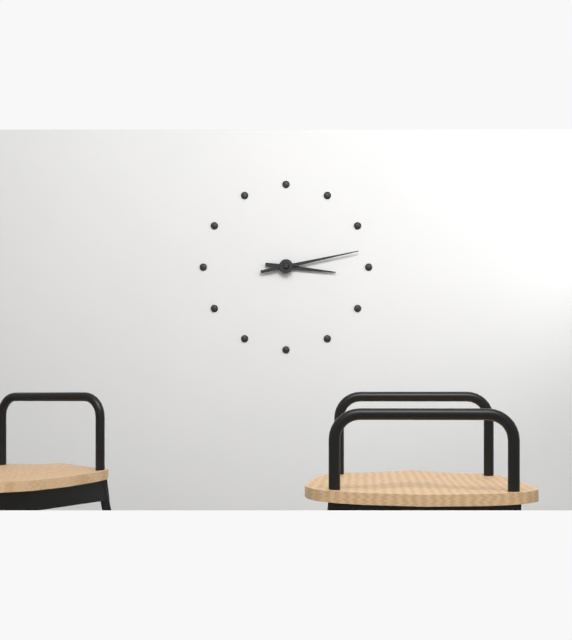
3.13
